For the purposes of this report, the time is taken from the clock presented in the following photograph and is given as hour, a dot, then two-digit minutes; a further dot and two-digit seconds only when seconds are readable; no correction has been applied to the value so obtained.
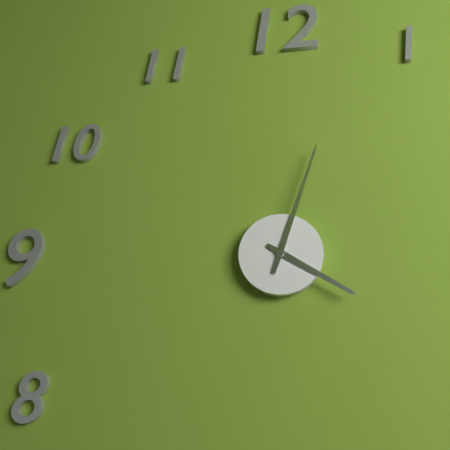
4.03
